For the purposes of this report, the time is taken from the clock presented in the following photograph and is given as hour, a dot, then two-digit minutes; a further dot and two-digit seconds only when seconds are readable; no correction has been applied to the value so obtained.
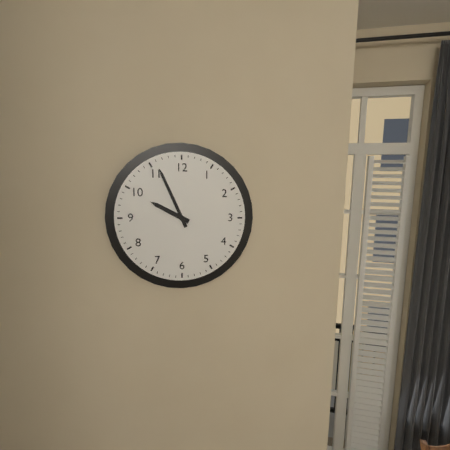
9.56
